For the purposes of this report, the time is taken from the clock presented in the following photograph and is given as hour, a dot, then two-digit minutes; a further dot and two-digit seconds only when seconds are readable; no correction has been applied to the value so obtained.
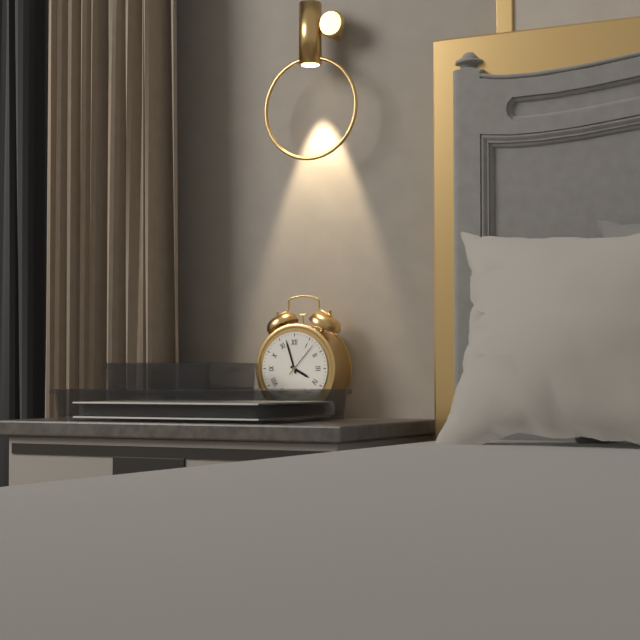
3.57
